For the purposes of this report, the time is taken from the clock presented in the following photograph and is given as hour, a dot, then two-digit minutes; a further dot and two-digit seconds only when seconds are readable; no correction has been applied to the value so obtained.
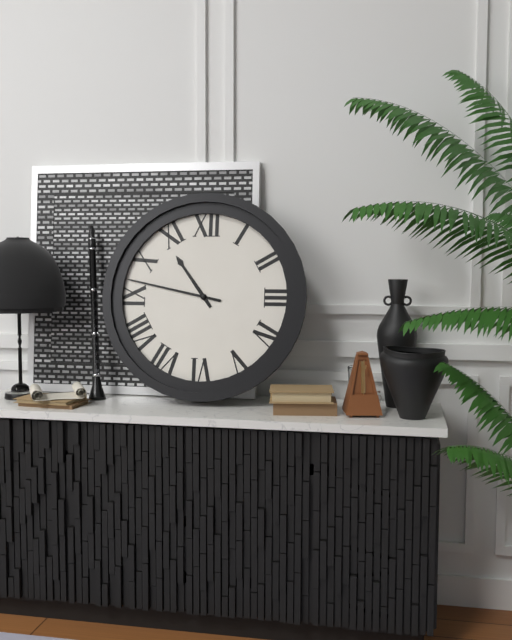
10.47
